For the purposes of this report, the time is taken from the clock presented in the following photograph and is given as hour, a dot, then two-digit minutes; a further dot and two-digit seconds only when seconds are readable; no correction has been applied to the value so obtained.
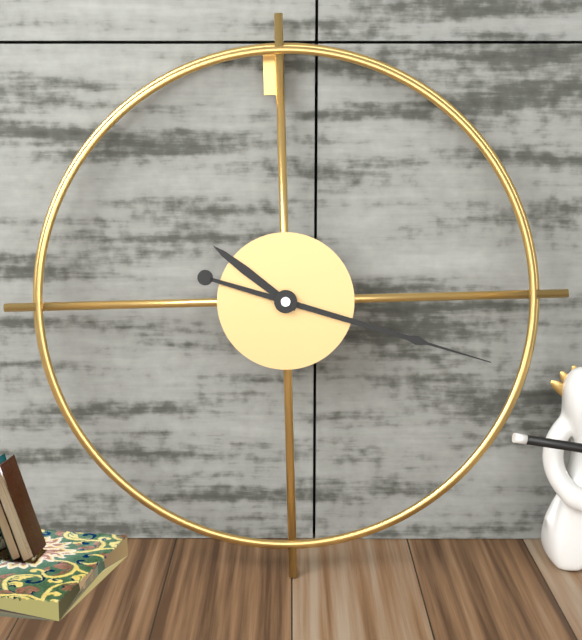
10.18
